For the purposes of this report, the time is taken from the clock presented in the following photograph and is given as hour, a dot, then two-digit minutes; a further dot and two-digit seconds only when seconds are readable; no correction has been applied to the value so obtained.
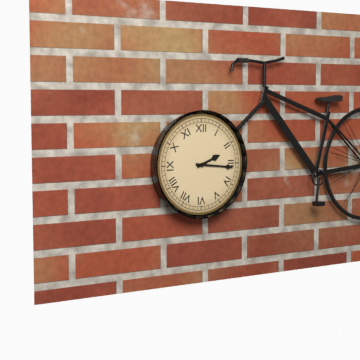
2.16
